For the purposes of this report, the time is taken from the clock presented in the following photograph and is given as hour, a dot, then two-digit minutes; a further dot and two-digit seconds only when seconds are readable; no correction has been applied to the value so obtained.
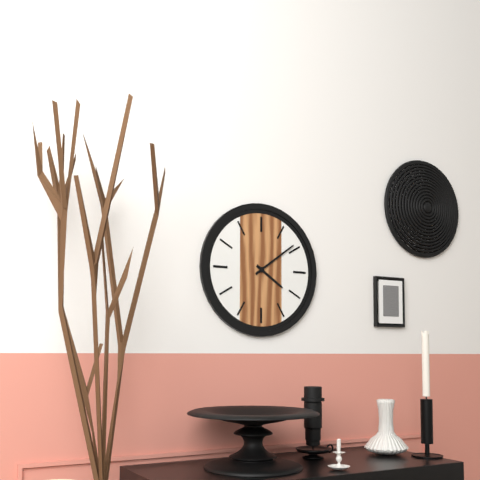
4.09
